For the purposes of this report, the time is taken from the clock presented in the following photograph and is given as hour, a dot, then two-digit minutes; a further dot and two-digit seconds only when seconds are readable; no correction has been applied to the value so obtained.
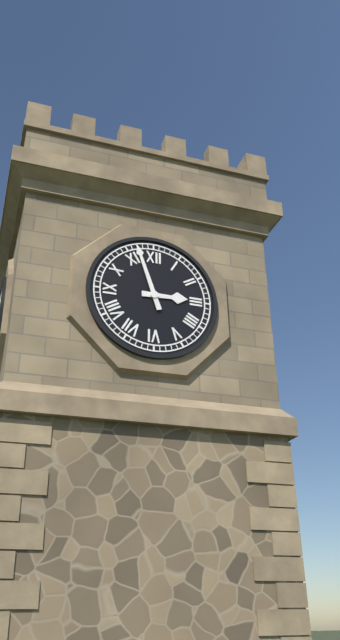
2.57
